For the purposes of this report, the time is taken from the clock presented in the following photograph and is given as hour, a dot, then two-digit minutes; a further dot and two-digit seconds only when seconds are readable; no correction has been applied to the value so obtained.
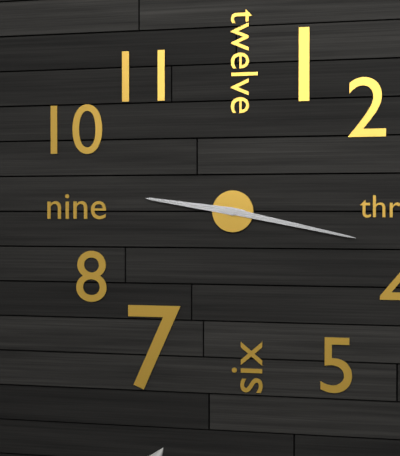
9.17
